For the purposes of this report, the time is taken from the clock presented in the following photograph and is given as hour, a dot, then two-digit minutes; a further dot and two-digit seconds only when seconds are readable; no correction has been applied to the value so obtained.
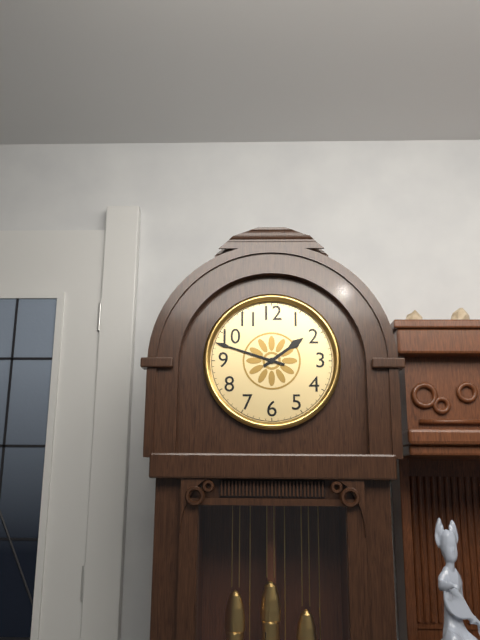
1.48
